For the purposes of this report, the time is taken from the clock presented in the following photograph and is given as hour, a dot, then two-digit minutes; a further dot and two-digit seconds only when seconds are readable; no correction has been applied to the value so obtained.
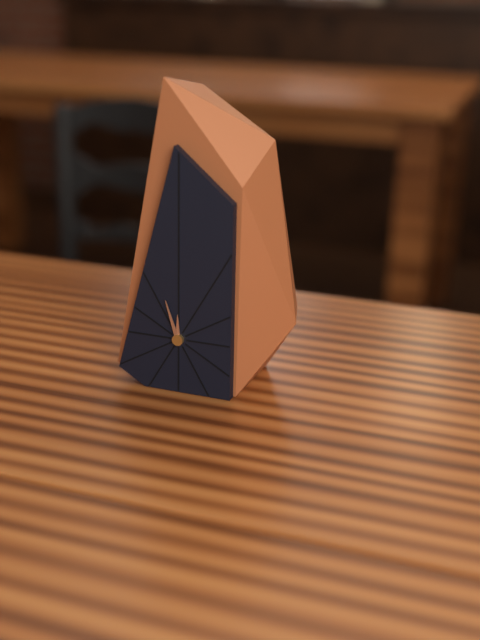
11.57
